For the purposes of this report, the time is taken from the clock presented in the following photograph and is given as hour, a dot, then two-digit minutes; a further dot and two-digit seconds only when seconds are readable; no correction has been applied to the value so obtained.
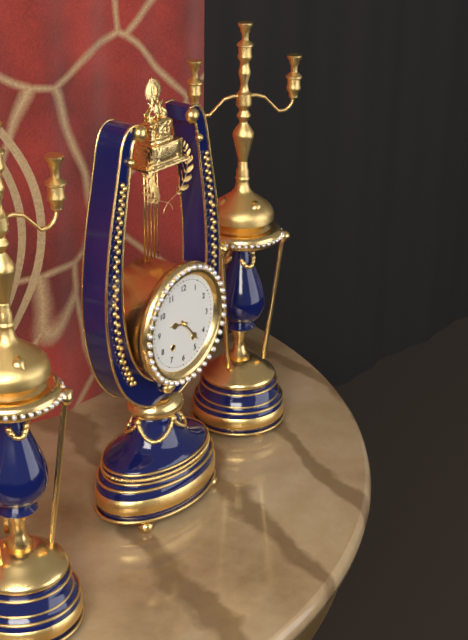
9.23
